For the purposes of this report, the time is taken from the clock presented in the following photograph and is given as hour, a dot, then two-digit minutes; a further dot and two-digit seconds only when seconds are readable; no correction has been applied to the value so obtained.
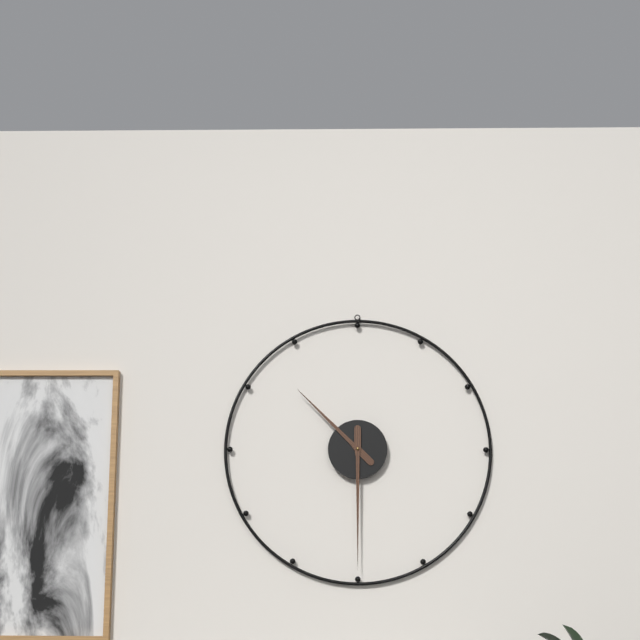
10.30
